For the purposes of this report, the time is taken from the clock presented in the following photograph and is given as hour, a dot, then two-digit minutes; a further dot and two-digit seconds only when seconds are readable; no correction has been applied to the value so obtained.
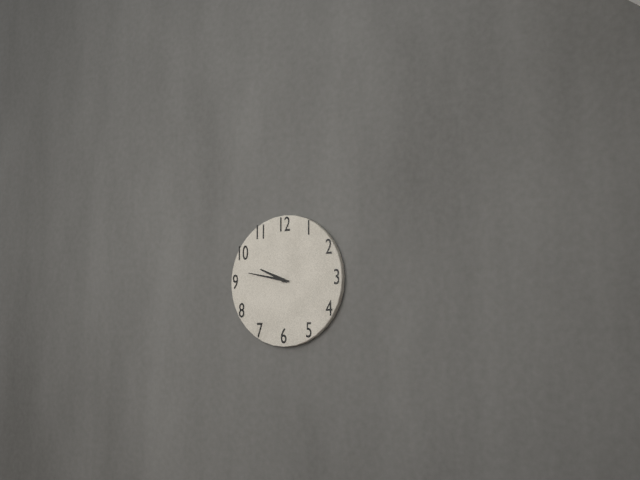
9.47
